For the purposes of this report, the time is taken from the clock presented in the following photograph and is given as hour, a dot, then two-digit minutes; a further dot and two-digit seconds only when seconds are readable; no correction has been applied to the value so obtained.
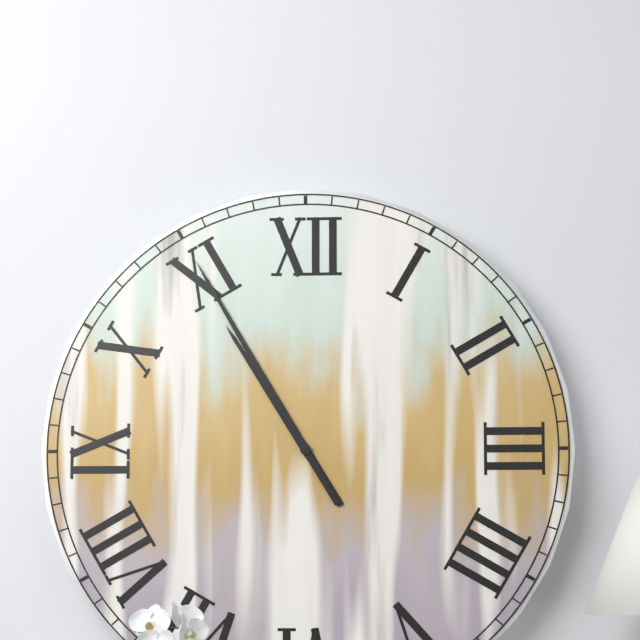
10.55
